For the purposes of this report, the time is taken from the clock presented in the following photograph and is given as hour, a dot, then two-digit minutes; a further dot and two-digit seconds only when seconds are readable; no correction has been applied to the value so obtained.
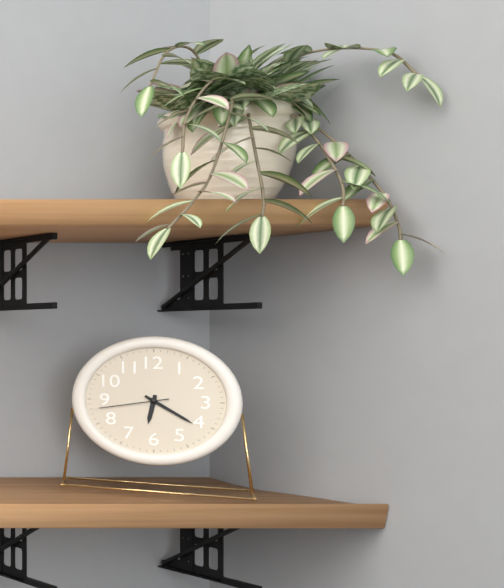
6.21.43
